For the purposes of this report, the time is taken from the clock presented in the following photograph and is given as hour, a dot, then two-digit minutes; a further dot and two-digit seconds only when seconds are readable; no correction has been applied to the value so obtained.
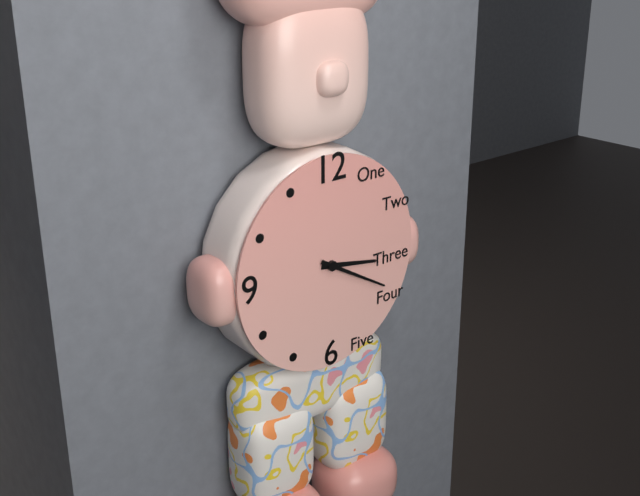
3.20
